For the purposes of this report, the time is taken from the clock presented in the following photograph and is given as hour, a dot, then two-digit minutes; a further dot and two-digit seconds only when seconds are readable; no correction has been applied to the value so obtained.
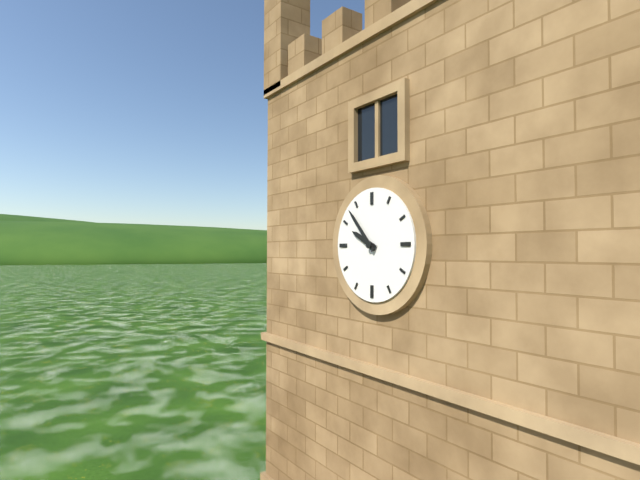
9.53
